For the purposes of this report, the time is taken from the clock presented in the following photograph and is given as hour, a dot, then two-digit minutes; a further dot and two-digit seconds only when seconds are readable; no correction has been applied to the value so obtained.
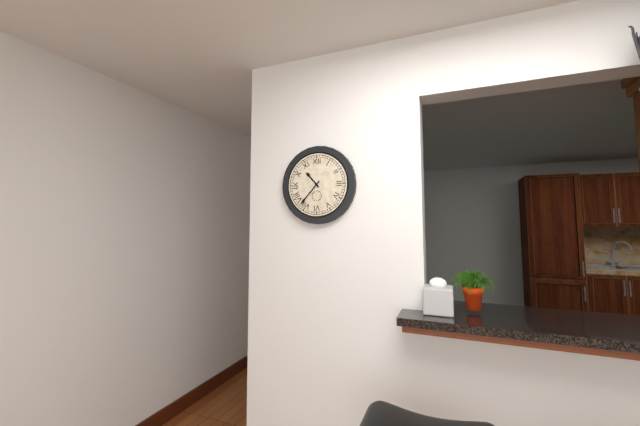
10.37
